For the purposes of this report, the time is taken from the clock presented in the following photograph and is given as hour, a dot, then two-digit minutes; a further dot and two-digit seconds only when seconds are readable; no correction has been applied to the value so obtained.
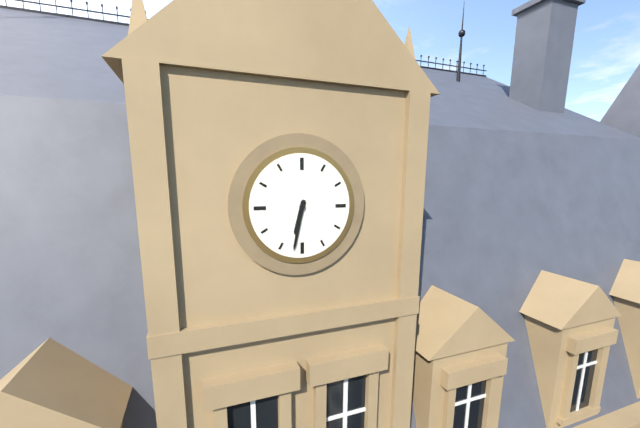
6.32
